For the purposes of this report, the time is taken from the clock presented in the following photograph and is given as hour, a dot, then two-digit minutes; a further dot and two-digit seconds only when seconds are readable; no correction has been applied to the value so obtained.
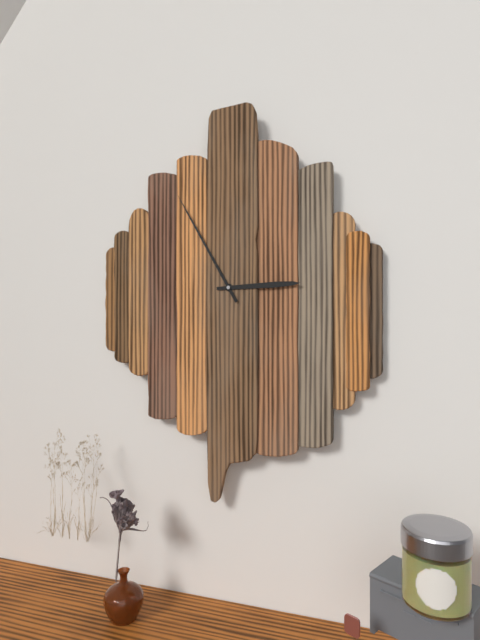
2.55
